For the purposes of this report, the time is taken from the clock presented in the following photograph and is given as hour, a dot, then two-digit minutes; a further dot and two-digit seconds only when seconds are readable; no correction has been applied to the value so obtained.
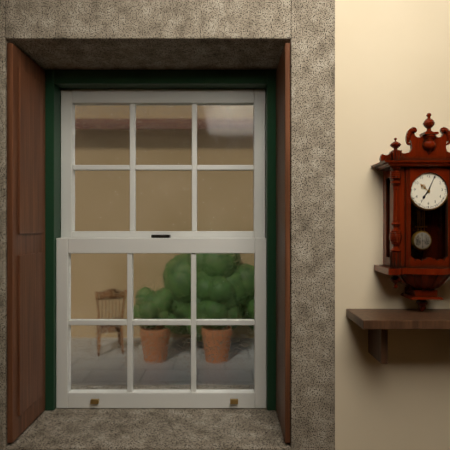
7.04
